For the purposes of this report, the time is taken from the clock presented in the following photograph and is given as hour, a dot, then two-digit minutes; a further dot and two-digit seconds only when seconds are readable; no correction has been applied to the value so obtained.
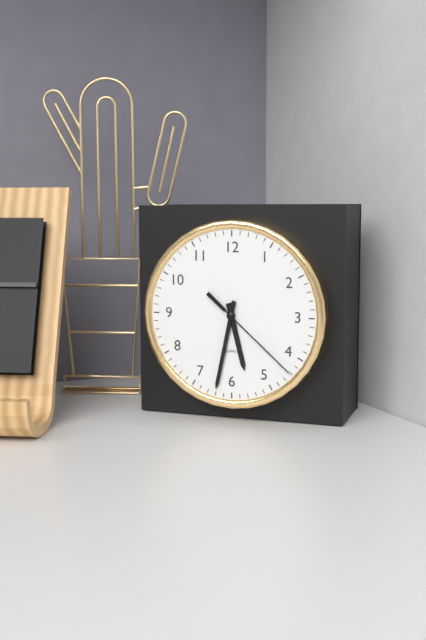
5.32.22
